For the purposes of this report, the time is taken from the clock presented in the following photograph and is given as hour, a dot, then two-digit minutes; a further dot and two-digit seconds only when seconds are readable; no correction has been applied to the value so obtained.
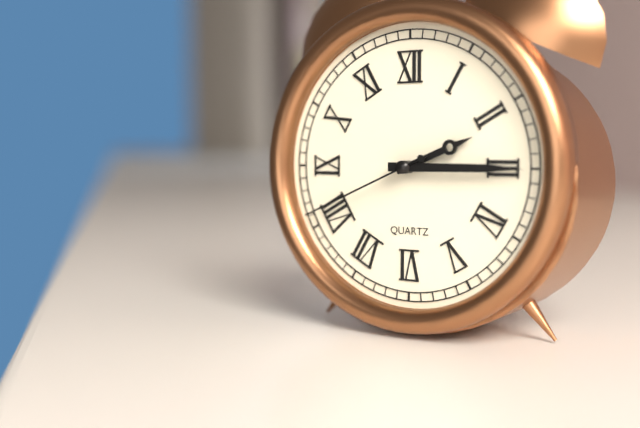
2.15.41
